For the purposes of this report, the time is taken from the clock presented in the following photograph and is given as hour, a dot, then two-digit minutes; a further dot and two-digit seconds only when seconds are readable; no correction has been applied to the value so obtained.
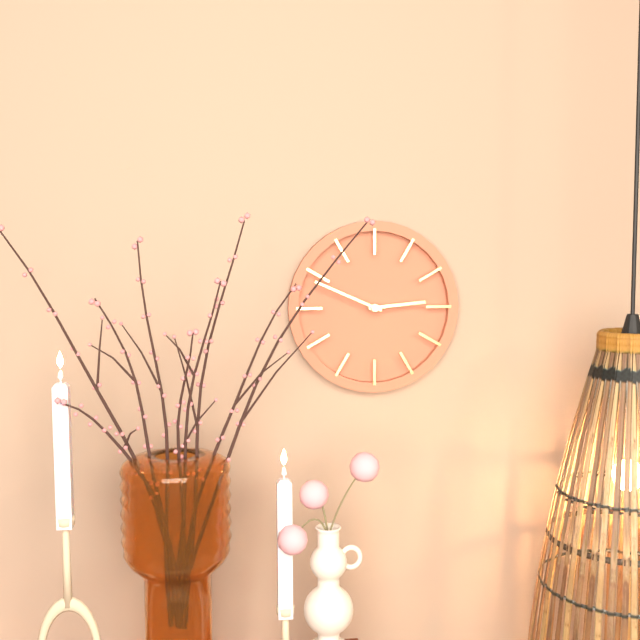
2.49
